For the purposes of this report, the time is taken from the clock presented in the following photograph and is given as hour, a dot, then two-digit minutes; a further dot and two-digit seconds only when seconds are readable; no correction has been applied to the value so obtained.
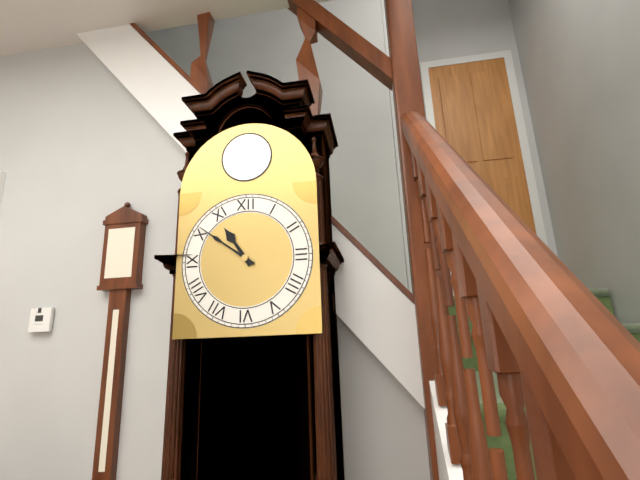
10.51
